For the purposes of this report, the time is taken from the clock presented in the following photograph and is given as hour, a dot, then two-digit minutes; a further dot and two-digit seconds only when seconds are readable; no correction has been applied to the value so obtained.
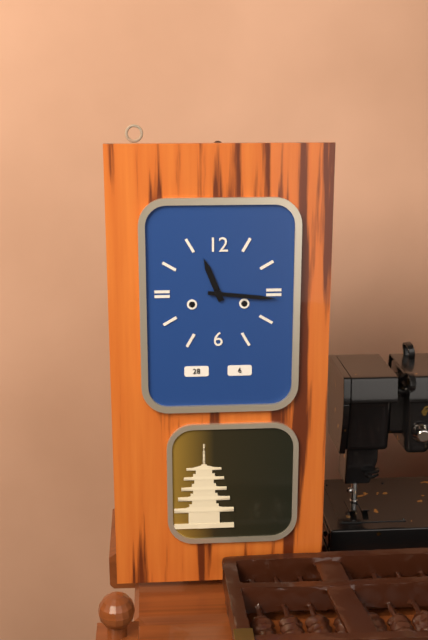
11.16
